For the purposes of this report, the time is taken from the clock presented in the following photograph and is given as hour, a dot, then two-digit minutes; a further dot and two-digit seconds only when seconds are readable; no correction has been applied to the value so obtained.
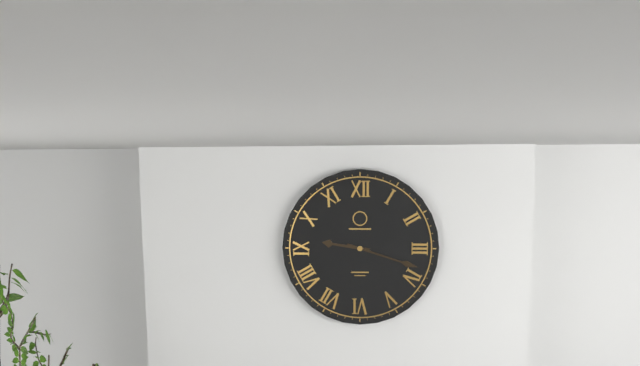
9.18
